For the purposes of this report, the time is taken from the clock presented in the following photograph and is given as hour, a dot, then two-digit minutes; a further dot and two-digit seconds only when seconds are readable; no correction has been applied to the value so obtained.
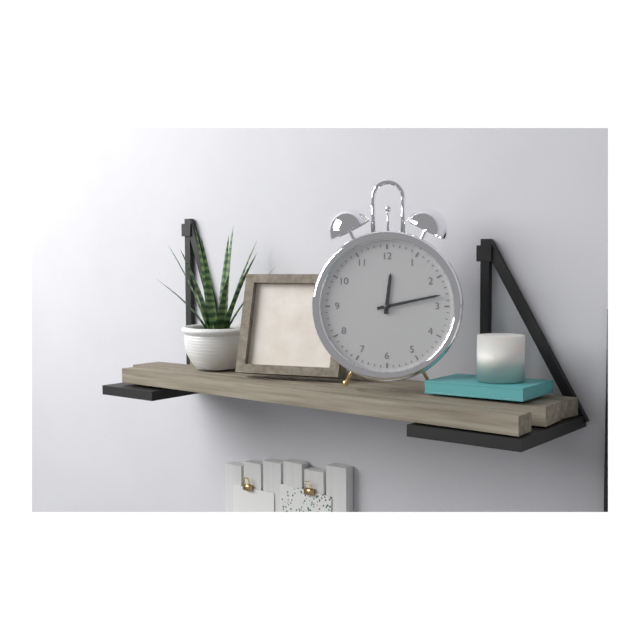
12.13
